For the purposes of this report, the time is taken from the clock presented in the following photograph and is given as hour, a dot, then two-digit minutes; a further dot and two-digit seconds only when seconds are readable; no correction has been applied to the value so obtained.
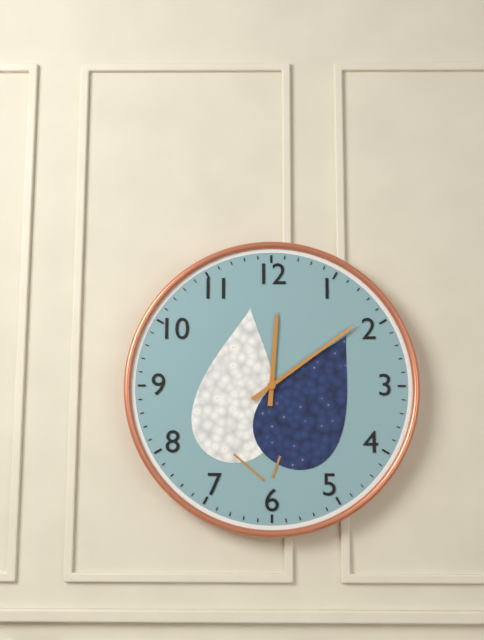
12.09
